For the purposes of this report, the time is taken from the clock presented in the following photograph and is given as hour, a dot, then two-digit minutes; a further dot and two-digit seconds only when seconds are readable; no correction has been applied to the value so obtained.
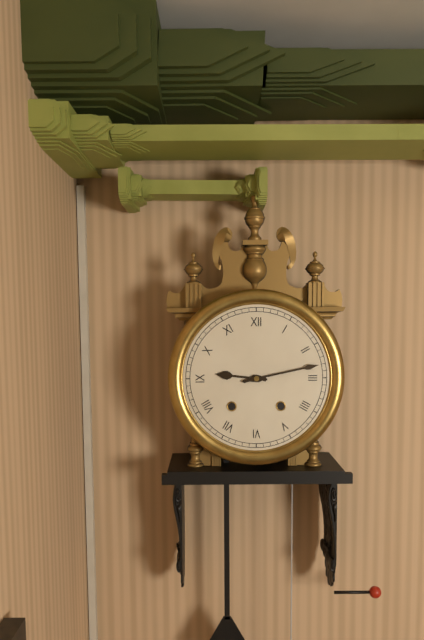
9.13
